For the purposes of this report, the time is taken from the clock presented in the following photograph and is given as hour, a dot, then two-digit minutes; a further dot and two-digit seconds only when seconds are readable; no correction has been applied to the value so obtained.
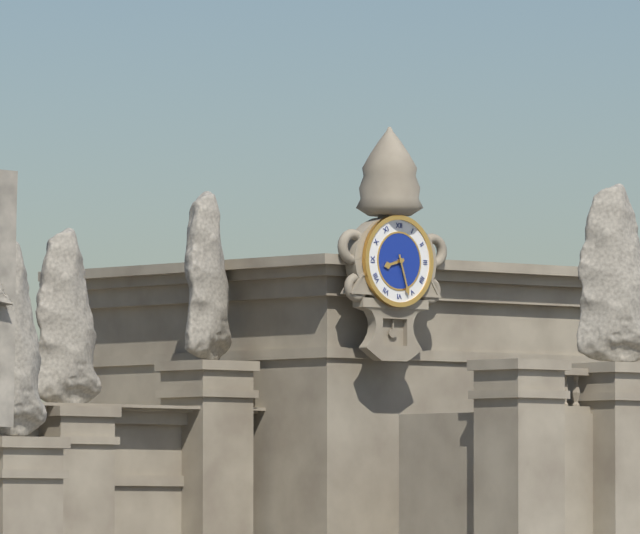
8.27
